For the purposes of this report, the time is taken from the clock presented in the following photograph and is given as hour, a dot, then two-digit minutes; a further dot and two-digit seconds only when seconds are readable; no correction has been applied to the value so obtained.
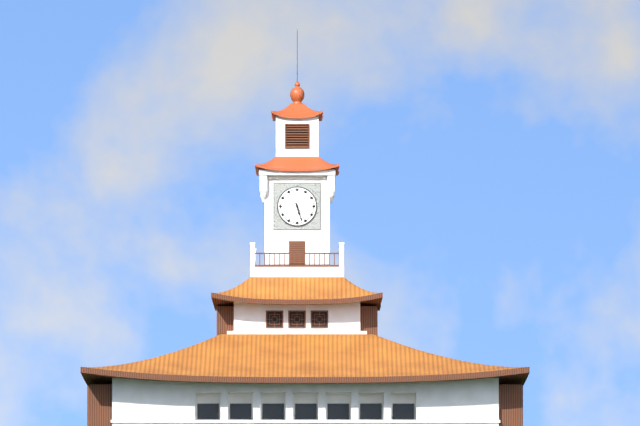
5.27
